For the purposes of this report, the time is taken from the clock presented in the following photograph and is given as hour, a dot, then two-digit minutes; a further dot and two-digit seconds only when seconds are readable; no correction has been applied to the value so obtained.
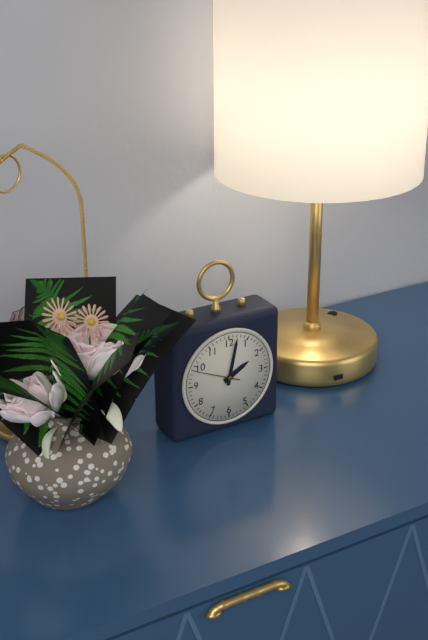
2.02
